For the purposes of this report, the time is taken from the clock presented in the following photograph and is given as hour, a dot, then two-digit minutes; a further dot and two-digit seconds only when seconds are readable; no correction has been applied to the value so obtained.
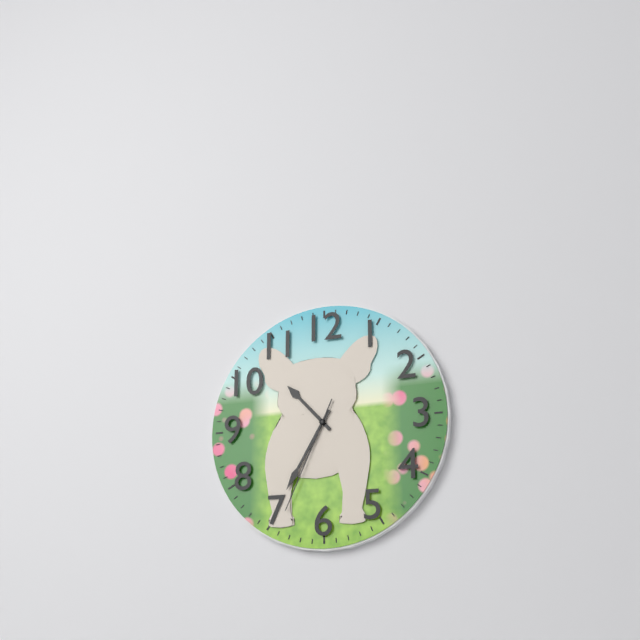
10.35.34
